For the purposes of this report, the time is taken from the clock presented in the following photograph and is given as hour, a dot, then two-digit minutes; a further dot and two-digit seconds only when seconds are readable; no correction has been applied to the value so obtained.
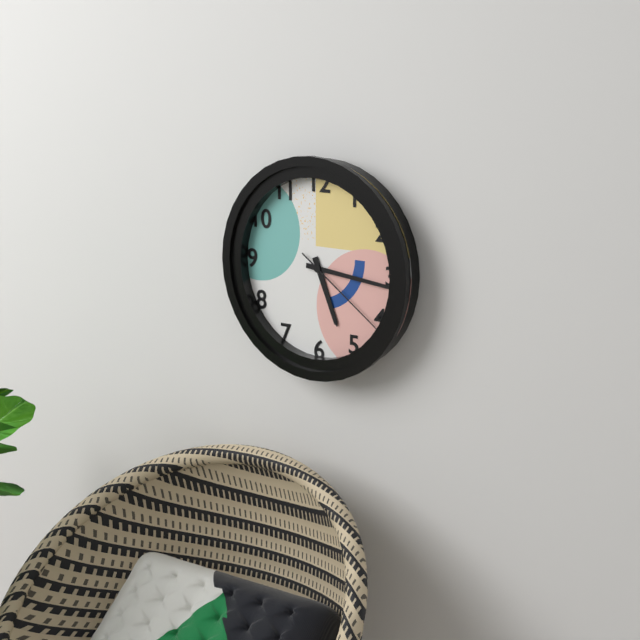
5.16.21
